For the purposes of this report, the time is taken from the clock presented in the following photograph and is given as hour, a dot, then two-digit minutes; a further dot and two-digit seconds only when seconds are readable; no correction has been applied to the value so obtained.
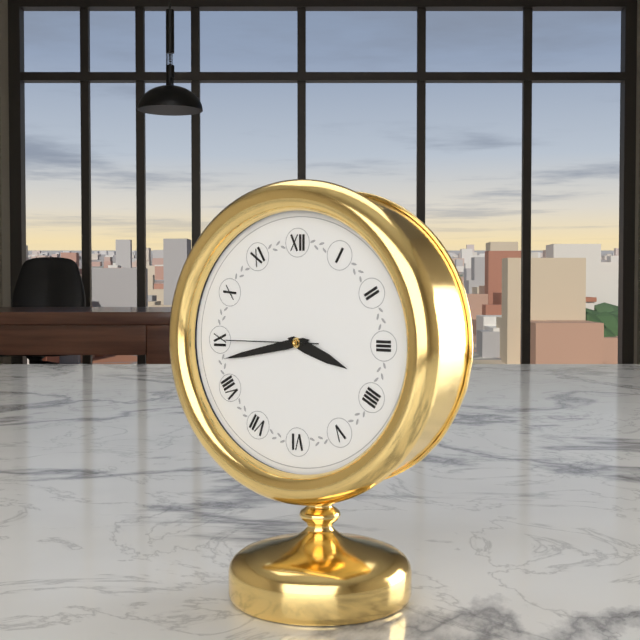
3.43.45
